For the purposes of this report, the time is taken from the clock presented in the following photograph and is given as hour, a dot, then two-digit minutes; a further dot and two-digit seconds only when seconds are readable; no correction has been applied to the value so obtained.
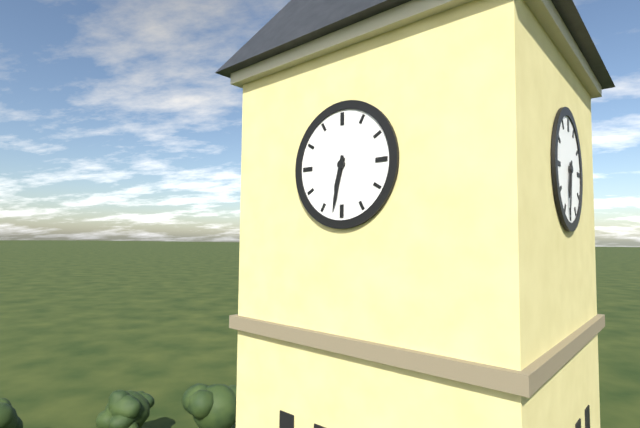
6.32
